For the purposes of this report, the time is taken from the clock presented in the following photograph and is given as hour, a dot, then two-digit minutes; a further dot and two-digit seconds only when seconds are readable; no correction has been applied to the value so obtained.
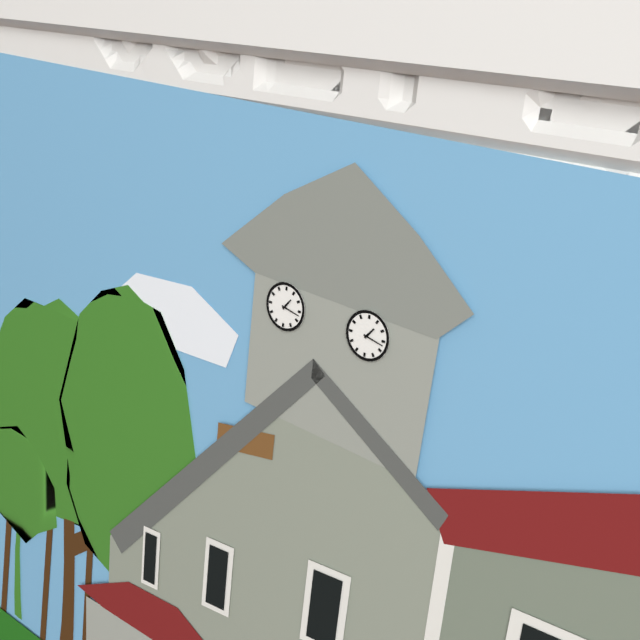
1.17
